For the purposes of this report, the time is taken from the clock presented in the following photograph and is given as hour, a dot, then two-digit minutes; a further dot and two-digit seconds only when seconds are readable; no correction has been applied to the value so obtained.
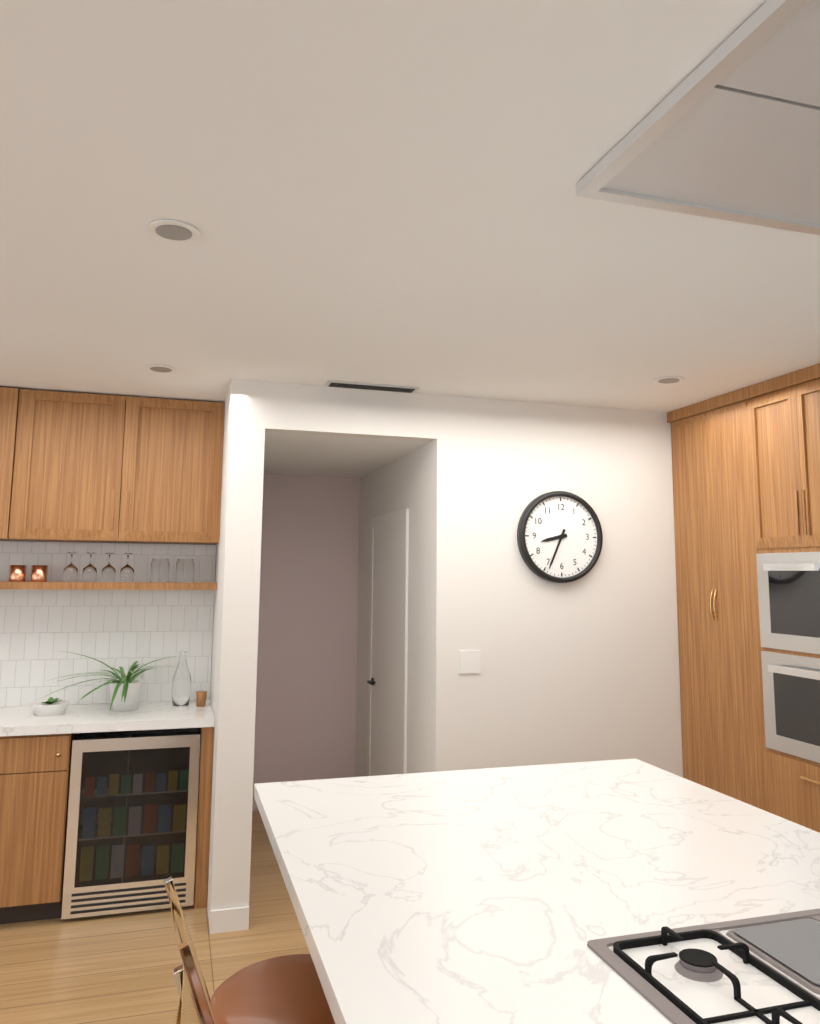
8.34
